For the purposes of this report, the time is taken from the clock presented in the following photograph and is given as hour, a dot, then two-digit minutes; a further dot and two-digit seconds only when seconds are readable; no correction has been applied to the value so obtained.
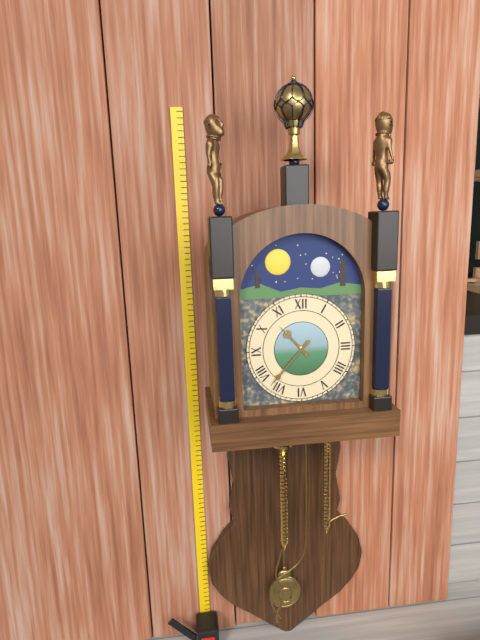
10.37
